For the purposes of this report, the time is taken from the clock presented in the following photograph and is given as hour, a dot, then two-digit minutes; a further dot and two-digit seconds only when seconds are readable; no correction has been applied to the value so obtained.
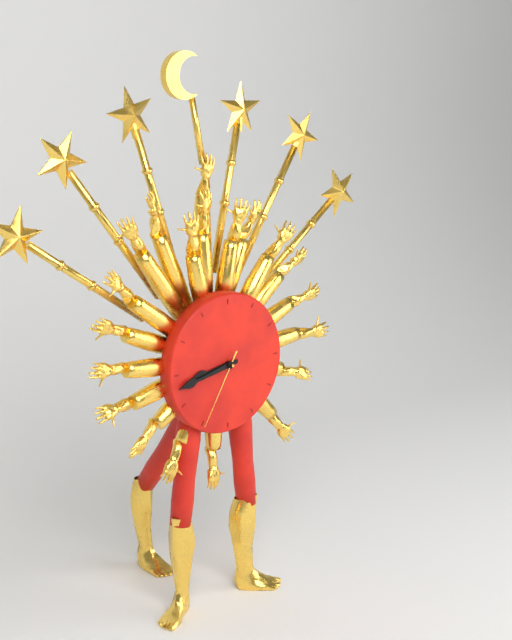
8.43.35
